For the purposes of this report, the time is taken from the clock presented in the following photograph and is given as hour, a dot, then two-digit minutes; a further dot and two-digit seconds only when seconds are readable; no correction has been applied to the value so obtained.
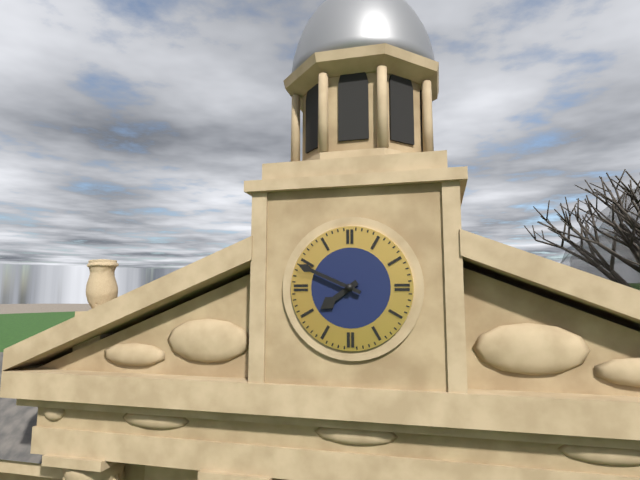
7.49
